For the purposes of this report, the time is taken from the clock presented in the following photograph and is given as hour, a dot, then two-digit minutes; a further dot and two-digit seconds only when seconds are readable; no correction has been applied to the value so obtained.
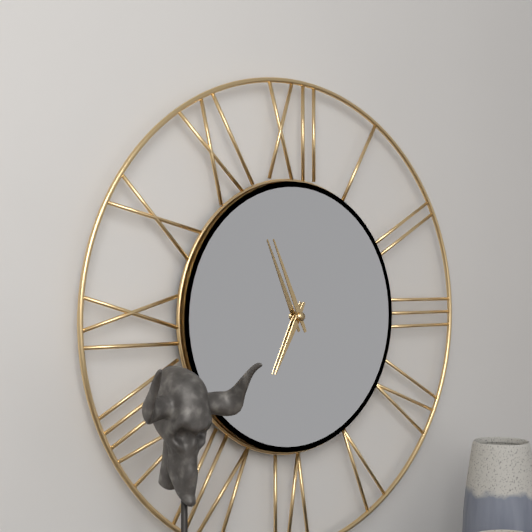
6.56
